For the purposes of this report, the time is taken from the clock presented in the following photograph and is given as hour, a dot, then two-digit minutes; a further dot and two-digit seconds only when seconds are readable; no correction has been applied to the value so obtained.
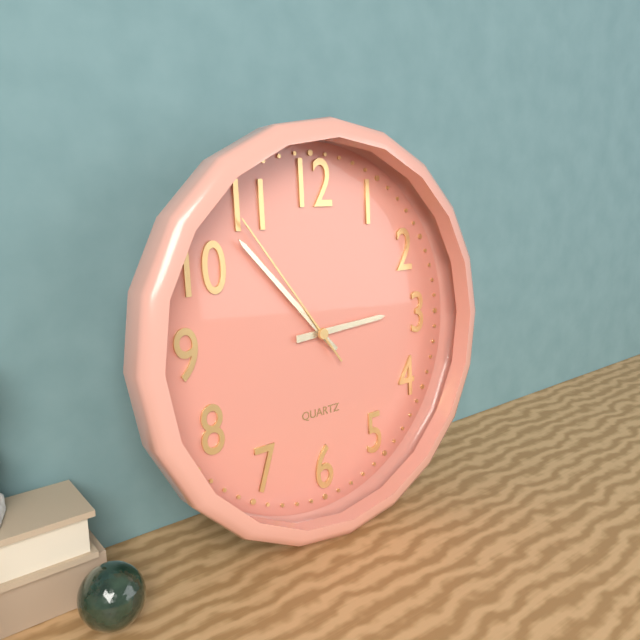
2.53.54
